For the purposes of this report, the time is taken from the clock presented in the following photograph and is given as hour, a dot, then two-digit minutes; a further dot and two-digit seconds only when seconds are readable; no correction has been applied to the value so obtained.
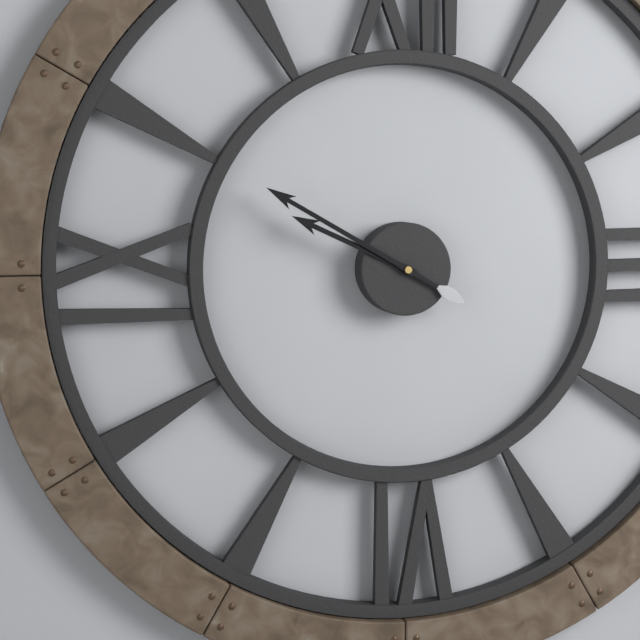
9.50
